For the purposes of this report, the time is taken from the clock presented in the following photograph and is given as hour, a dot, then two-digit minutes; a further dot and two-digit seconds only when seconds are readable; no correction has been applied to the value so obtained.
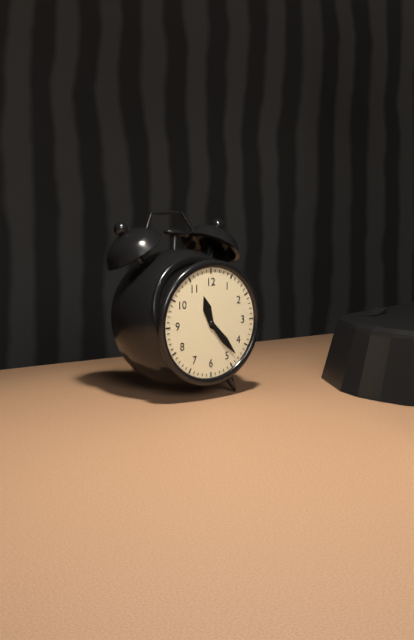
11.23
